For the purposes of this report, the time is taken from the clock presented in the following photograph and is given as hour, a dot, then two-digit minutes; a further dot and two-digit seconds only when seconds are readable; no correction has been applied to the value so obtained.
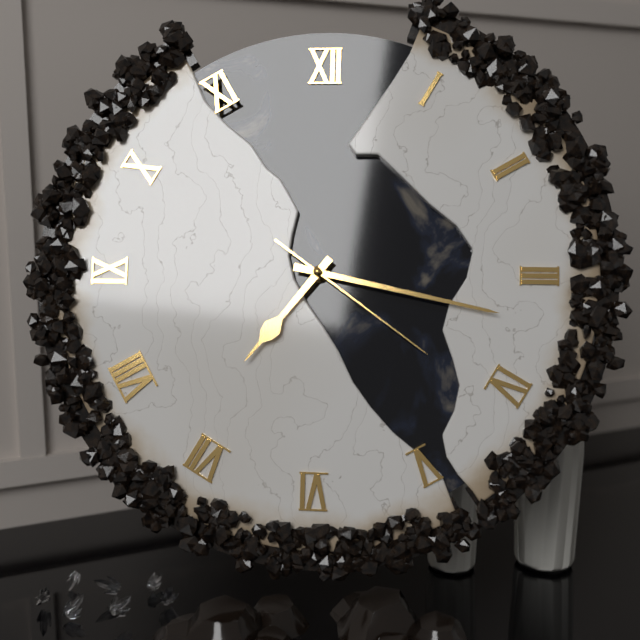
7.17.21
